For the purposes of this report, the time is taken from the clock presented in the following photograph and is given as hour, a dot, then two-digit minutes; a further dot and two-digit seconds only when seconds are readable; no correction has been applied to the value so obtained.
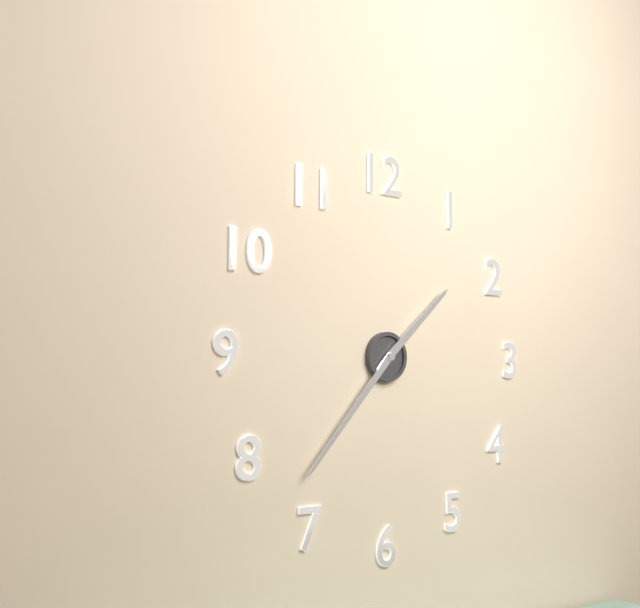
1.37
